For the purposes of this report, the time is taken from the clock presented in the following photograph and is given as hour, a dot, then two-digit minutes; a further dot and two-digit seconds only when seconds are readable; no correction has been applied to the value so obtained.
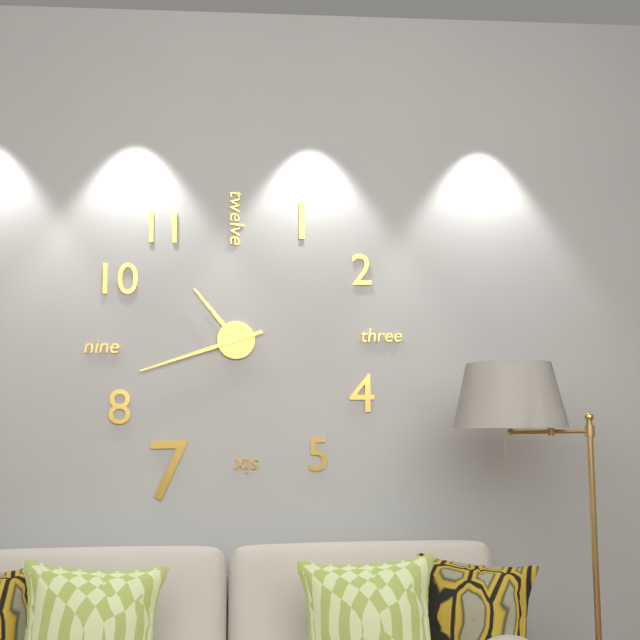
10.42
